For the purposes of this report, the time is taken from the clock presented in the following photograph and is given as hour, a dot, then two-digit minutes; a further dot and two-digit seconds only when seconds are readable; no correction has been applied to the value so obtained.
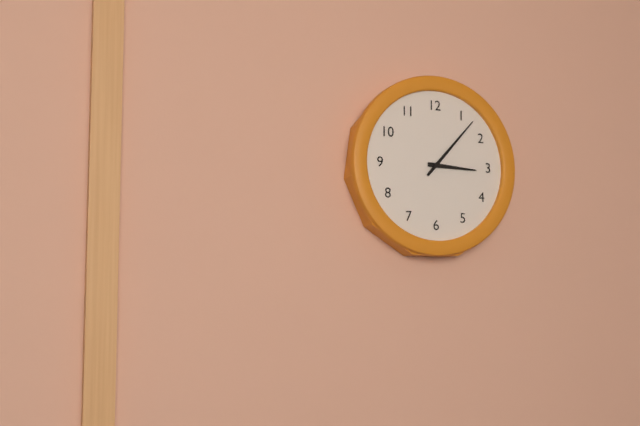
3.07
